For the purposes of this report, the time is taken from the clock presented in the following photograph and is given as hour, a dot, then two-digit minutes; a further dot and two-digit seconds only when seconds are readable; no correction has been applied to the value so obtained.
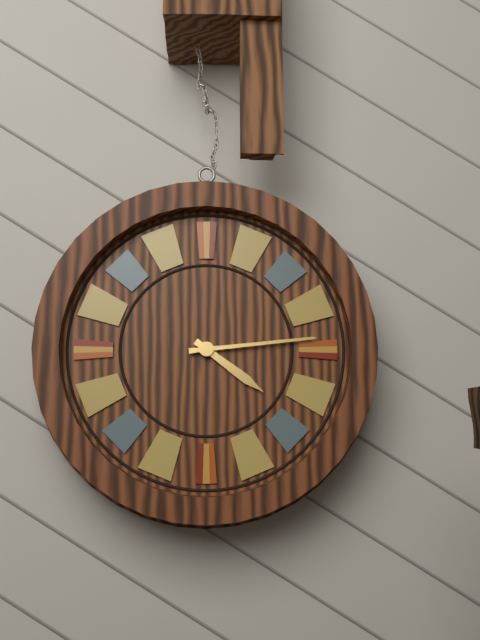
4.14
